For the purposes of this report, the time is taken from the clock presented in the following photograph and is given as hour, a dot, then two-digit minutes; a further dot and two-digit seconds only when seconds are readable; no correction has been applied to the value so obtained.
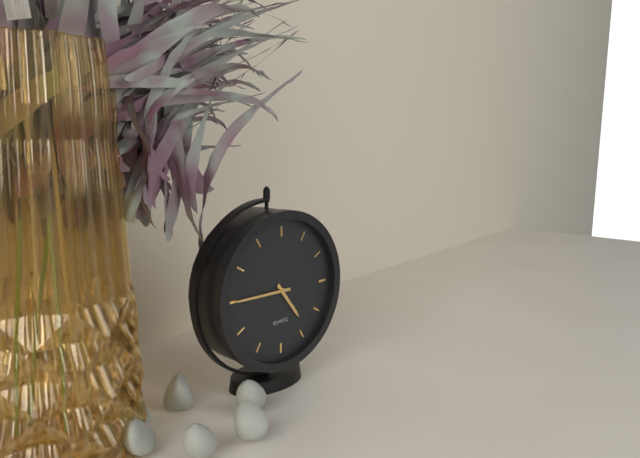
4.45
